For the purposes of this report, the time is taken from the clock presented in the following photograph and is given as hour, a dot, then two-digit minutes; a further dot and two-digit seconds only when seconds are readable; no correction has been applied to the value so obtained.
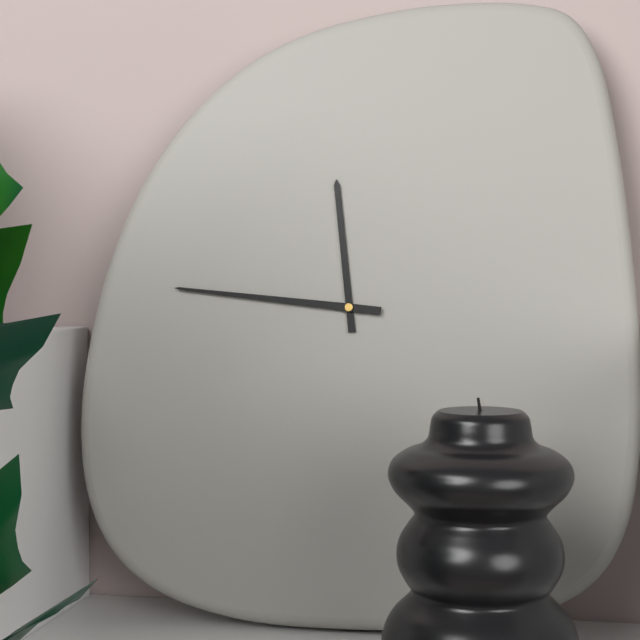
11.46
